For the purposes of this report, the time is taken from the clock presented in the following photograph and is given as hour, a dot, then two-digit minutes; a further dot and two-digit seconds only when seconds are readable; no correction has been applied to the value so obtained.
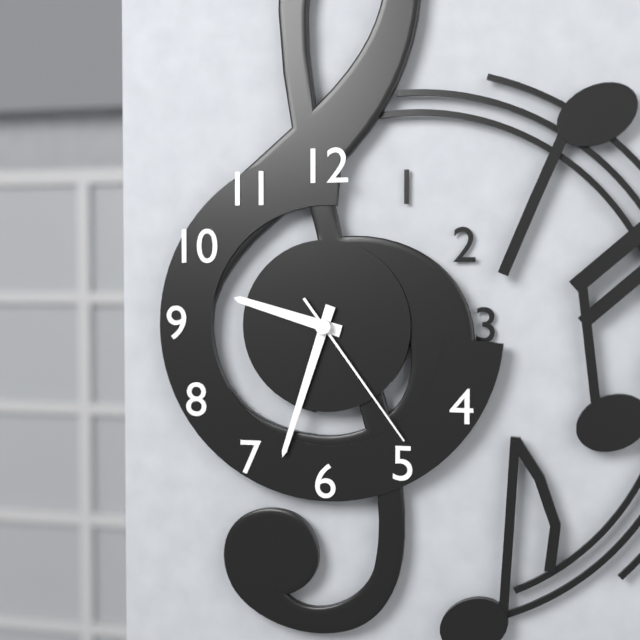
9.33.24
